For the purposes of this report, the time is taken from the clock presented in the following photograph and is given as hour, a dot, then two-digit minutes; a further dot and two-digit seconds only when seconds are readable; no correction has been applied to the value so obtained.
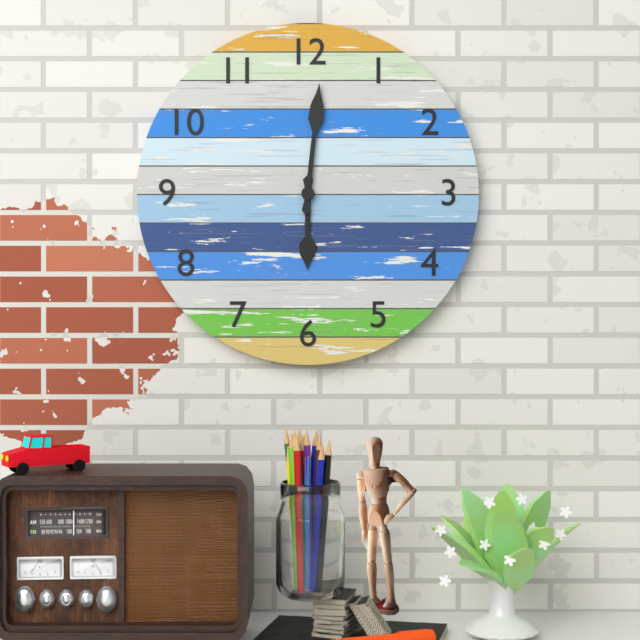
6.01
